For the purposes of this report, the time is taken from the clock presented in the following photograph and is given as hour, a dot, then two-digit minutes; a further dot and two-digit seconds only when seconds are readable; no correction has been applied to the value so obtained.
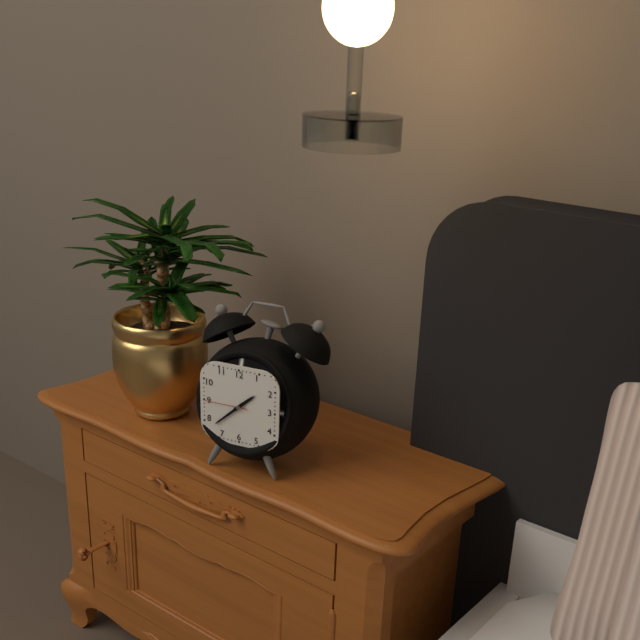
1.38
